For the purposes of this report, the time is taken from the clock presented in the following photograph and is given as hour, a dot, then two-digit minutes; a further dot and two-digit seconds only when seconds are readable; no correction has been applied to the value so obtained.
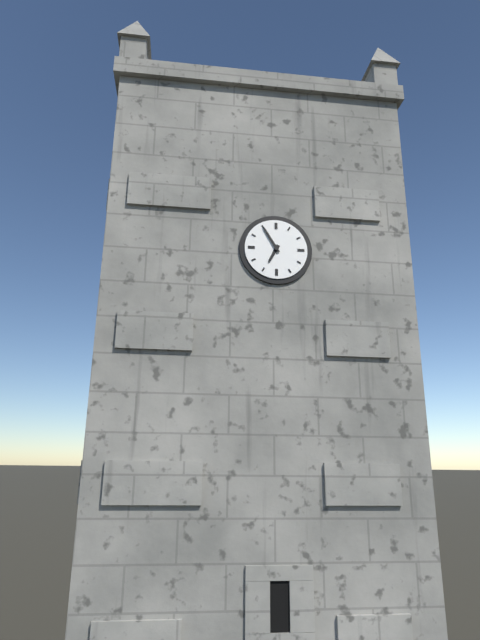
6.55
